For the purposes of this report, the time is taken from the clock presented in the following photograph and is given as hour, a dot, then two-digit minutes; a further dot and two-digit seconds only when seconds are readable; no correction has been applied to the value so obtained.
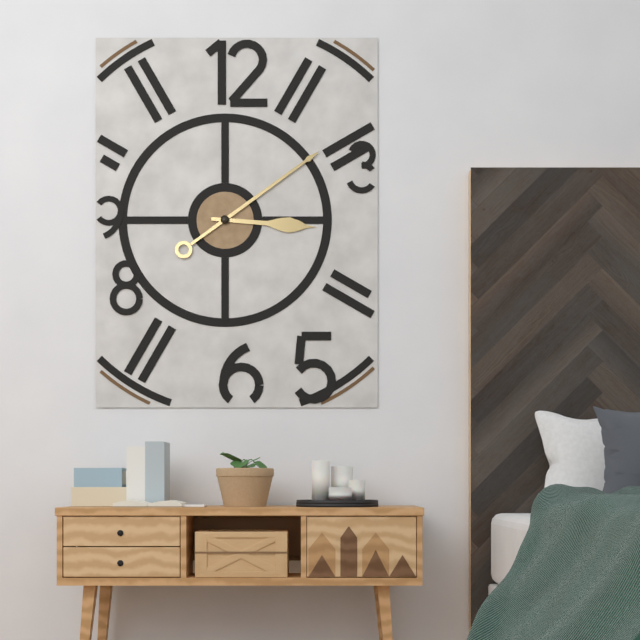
3.09
